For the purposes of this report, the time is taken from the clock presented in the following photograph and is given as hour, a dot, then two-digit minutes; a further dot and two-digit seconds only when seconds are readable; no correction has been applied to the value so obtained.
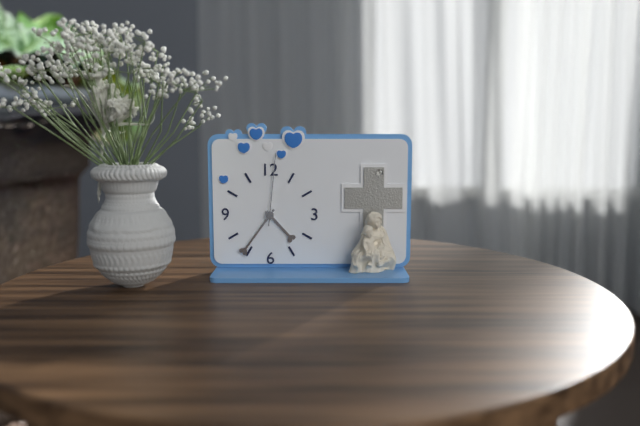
4.36.01
